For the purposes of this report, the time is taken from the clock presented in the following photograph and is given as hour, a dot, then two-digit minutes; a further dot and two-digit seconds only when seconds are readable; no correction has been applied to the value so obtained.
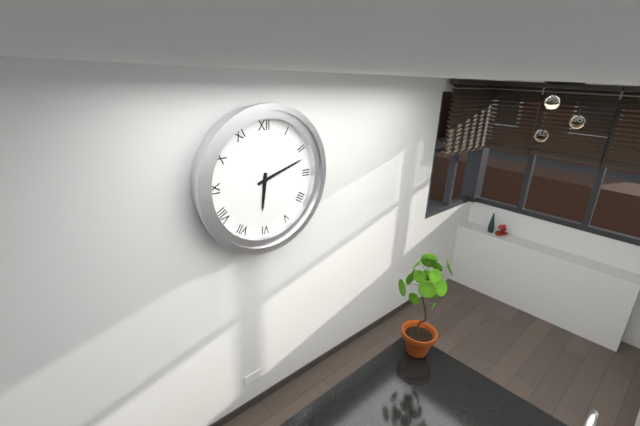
6.12
